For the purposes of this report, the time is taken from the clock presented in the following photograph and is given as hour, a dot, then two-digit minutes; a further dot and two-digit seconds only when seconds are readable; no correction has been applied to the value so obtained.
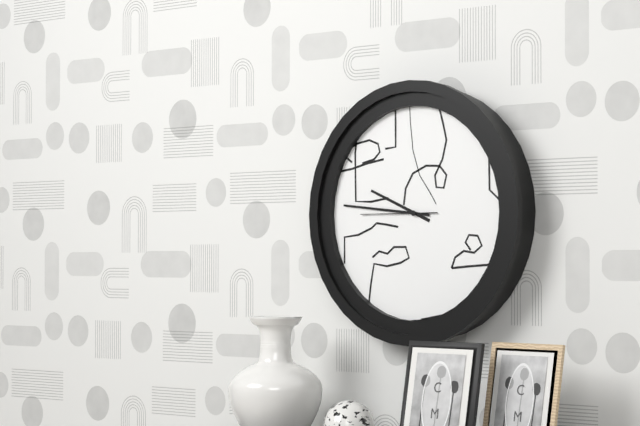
9.46.45
